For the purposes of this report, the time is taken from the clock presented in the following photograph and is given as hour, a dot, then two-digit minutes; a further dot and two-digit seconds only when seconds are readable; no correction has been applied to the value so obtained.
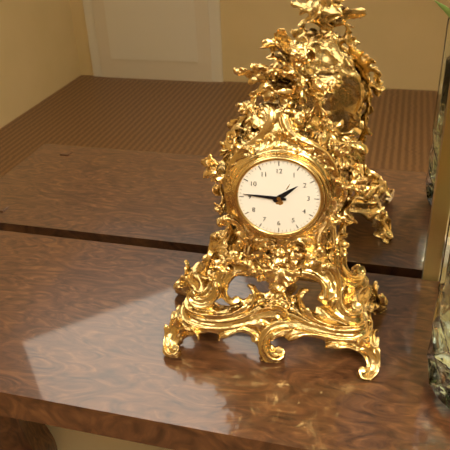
1.46
